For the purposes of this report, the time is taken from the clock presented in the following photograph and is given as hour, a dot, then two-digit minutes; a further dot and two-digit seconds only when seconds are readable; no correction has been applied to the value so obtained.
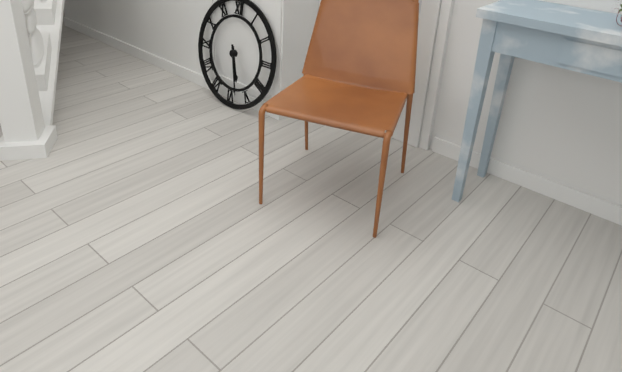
5.28
